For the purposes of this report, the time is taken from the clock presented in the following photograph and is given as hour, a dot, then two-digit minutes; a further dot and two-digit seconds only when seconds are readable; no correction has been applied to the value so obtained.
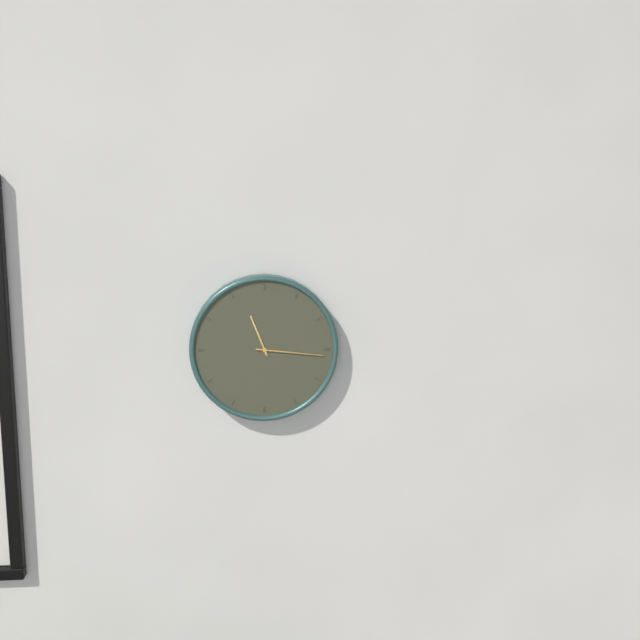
11.16
